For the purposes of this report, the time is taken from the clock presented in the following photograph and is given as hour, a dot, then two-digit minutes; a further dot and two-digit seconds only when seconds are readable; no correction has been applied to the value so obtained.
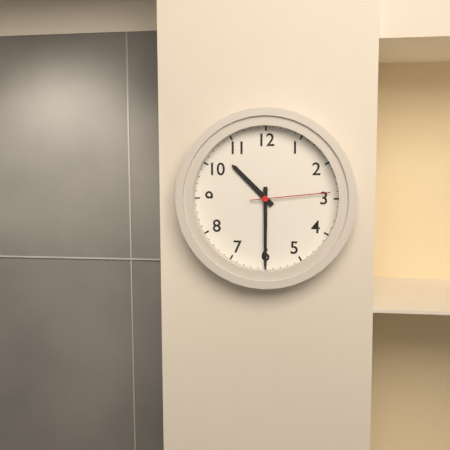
10.30.14
